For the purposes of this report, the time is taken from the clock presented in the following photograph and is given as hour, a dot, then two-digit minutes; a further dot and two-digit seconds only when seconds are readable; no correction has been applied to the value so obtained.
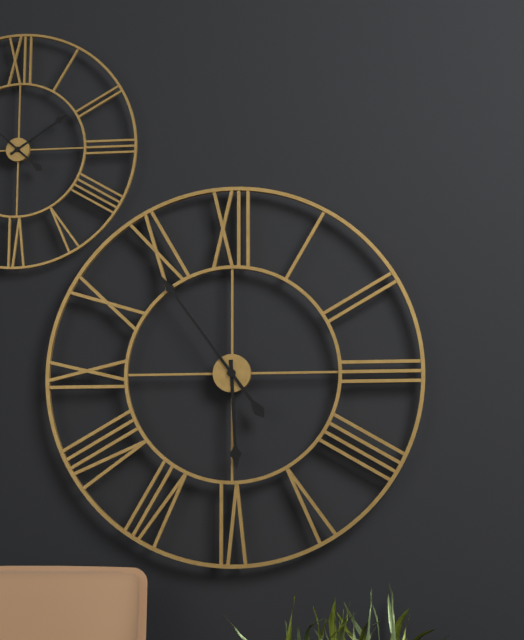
5.54
